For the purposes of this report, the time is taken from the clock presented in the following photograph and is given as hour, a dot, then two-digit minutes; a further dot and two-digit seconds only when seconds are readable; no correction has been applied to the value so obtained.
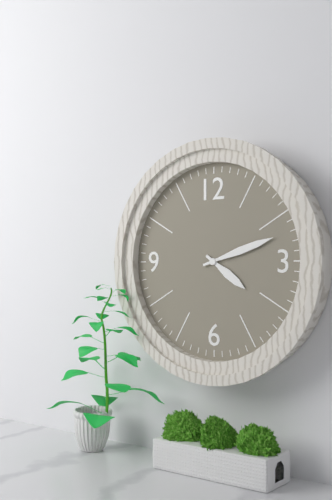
4.12
